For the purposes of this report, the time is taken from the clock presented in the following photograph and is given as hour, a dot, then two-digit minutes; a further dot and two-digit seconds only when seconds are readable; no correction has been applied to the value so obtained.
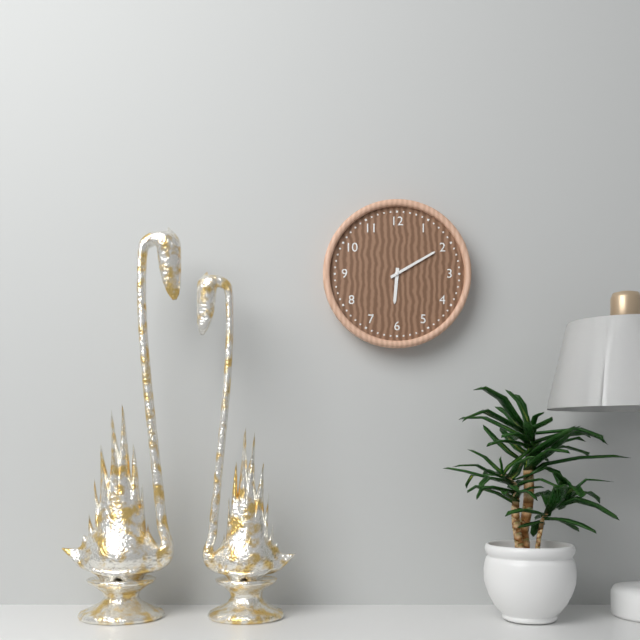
6.10
